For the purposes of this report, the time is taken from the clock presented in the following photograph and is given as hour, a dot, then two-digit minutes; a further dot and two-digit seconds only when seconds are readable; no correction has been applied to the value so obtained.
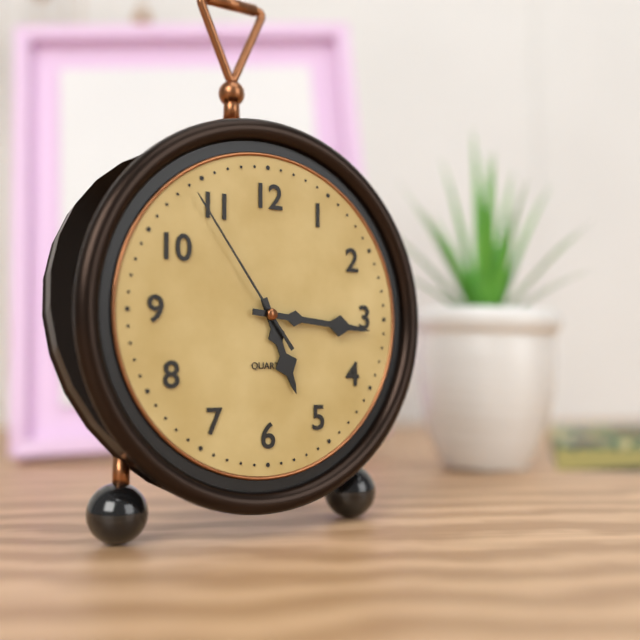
5.16.54
